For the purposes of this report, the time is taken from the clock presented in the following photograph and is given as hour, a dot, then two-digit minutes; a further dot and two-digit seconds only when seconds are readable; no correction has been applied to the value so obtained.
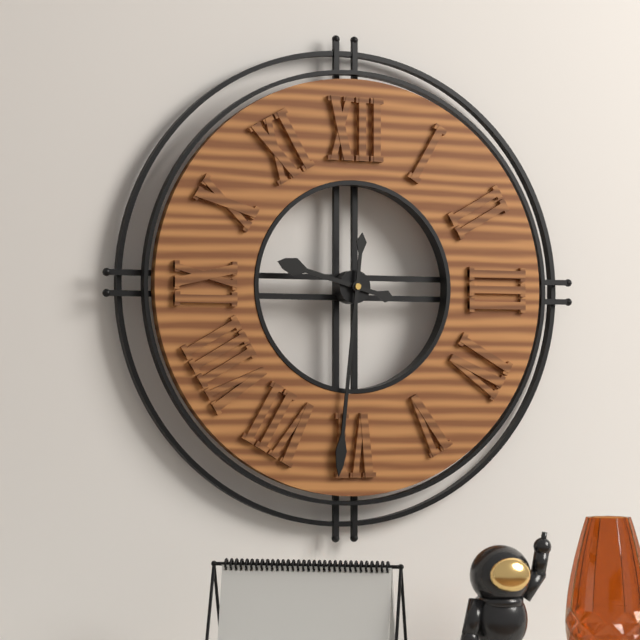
9.31
